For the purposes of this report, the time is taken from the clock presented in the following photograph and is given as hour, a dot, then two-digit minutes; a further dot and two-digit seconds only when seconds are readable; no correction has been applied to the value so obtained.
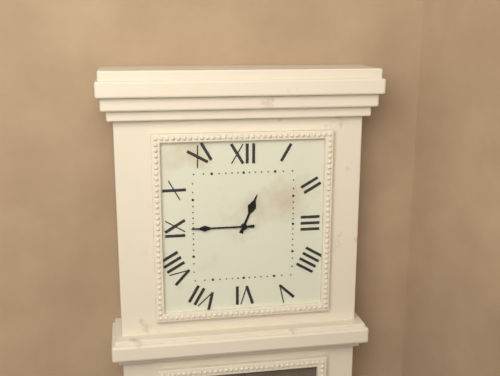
12.45
